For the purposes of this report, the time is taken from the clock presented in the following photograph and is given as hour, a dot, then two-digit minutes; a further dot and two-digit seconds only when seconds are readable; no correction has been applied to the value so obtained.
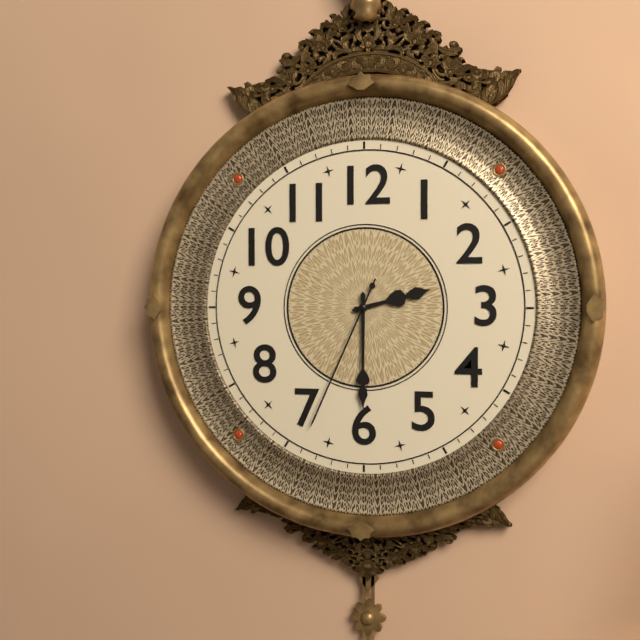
2.30.34
